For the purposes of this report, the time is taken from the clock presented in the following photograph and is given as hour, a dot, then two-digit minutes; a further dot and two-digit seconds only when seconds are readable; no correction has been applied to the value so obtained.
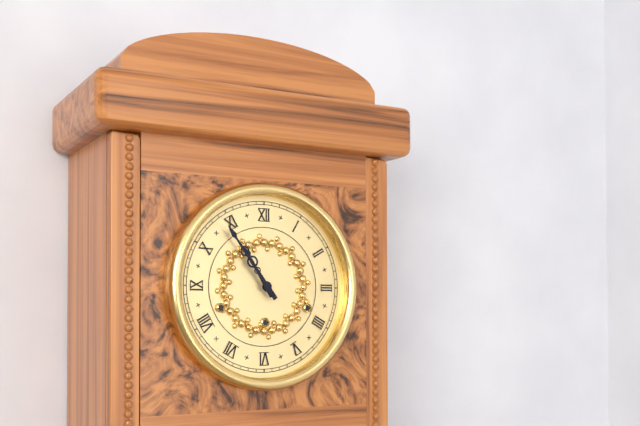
10.54
